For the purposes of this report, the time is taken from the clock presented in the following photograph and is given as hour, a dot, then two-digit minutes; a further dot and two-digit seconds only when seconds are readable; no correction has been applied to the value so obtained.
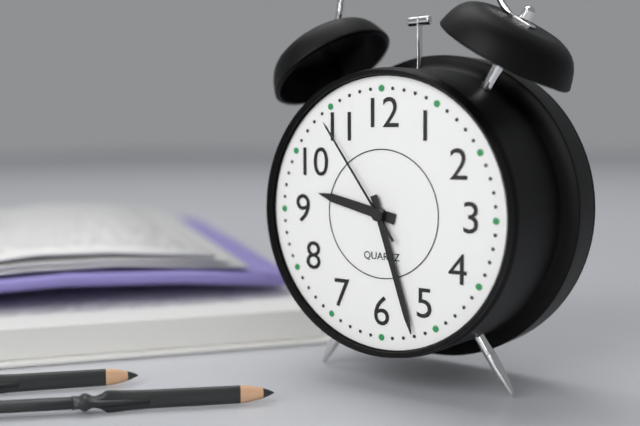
9.27.54
